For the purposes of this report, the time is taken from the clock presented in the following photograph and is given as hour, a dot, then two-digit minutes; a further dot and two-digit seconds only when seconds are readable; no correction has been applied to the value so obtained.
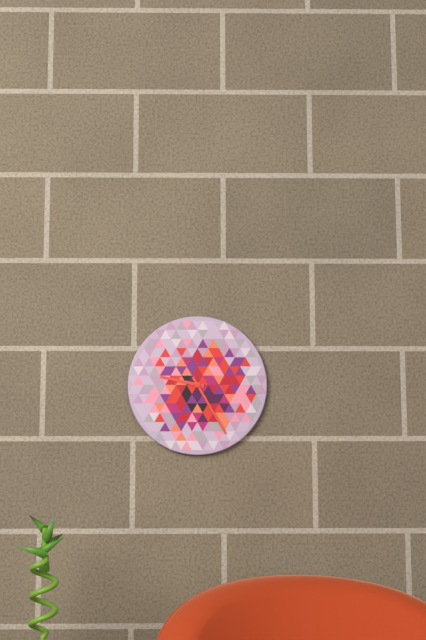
9.25
